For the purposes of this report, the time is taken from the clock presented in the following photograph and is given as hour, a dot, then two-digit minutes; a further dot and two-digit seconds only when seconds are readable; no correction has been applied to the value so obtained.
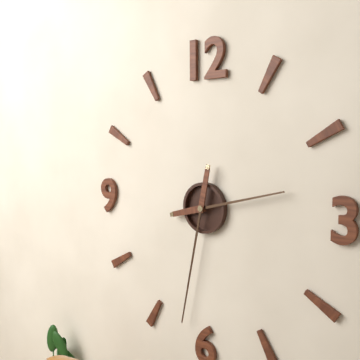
2.32
